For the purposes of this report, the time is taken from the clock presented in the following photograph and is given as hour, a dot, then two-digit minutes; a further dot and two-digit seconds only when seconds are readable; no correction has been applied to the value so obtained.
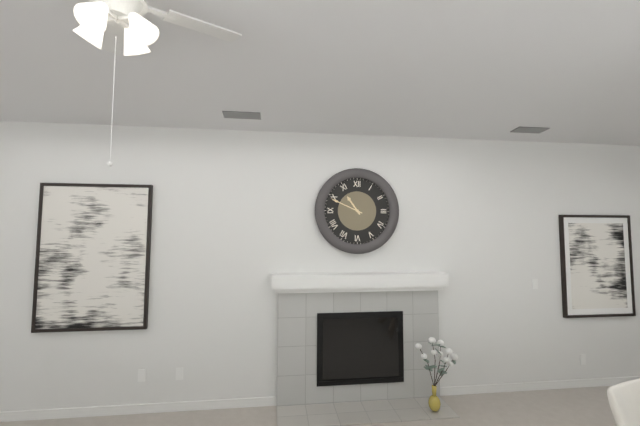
10.49
